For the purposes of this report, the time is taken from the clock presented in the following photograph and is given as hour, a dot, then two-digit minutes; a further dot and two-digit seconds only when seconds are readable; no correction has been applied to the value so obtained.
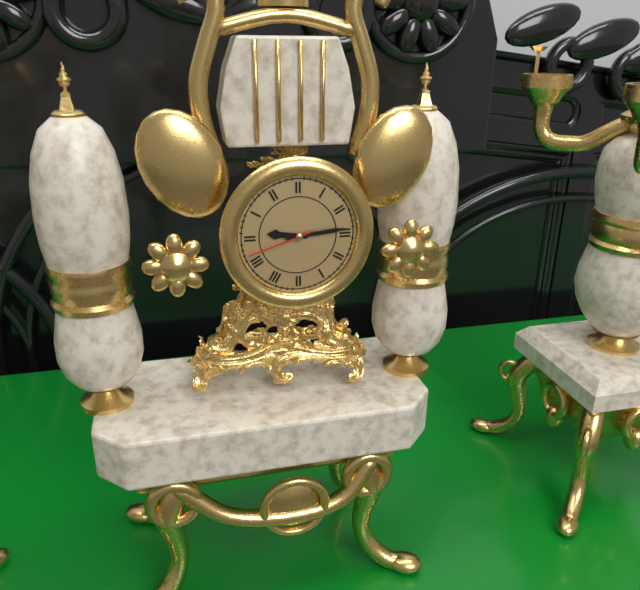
9.14.42
